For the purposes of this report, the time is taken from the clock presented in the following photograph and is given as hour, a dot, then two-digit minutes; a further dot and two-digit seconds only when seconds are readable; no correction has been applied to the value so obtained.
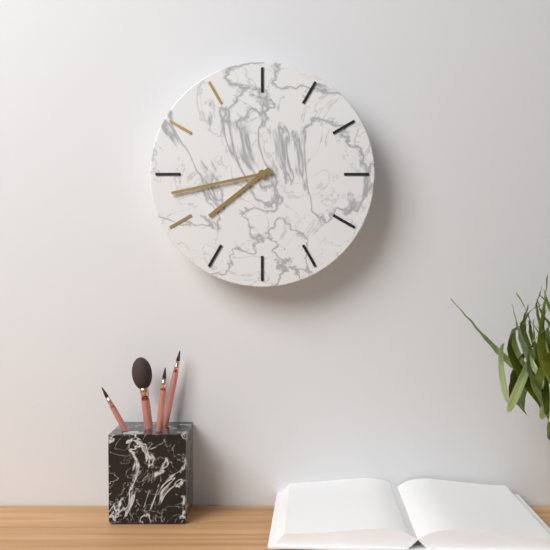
7.43
